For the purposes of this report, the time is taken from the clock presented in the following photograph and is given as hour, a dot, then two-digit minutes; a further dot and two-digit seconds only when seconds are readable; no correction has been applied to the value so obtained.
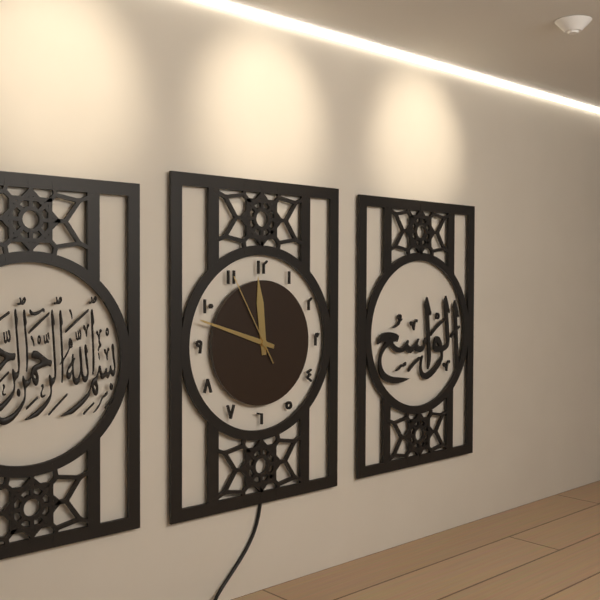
11.48.55
